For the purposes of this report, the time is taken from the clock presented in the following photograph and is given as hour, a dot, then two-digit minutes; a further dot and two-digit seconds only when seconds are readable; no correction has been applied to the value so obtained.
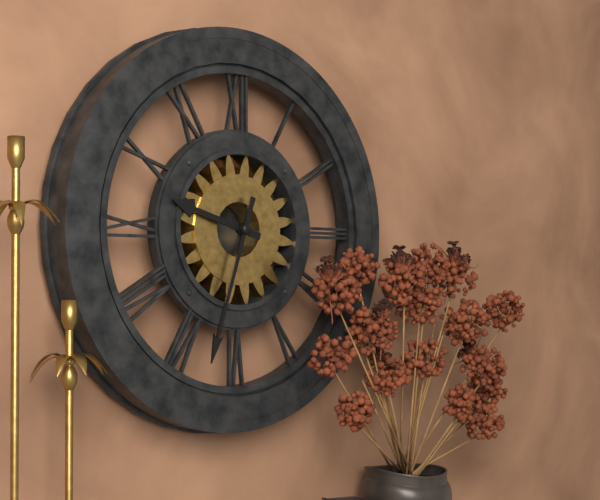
9.33
